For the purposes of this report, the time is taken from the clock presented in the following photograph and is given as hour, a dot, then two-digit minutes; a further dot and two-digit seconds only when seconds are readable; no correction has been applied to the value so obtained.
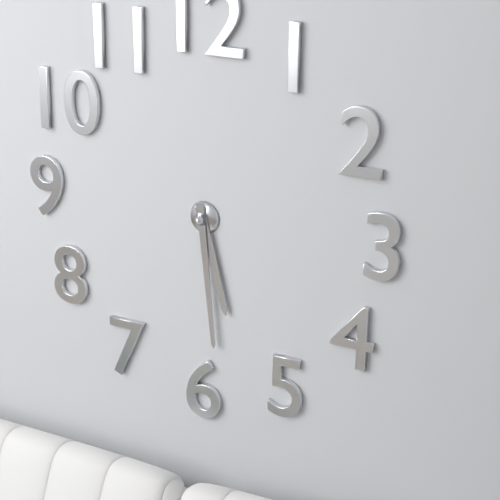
5.29
